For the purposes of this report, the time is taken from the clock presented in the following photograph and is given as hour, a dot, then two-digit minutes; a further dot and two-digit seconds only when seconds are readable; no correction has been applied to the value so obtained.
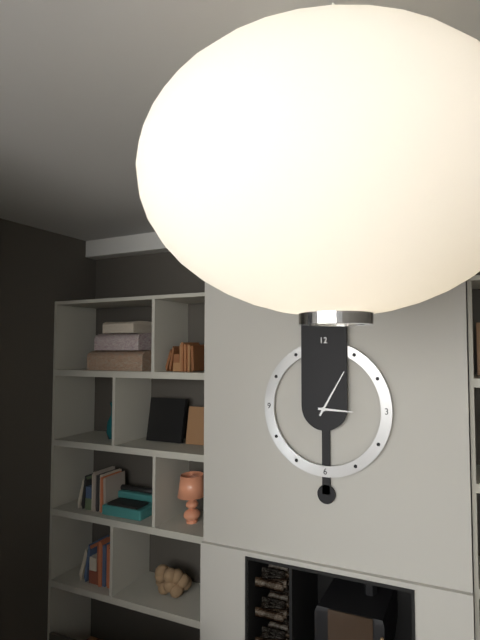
3.05
